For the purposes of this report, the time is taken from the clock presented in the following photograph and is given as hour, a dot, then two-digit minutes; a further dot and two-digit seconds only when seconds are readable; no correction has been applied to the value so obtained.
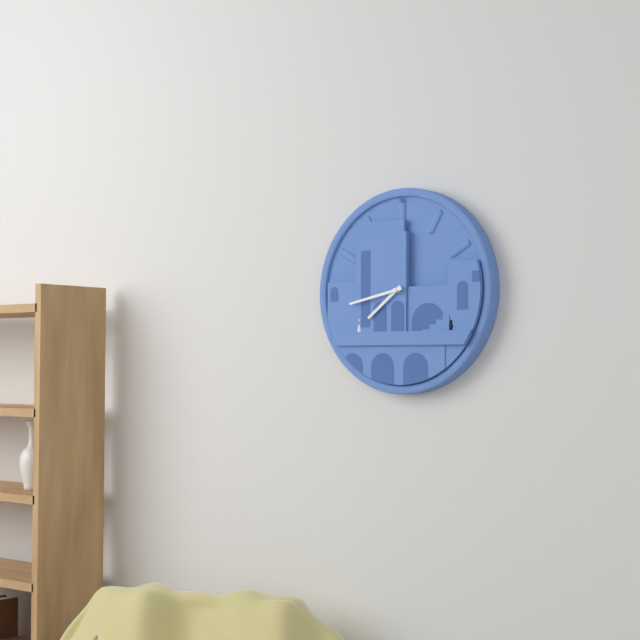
7.43
